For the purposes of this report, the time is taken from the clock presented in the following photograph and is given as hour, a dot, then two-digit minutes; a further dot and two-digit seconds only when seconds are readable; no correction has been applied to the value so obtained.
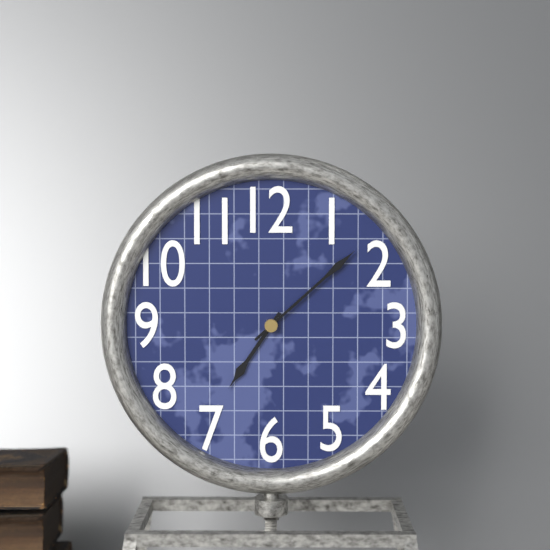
7.08
